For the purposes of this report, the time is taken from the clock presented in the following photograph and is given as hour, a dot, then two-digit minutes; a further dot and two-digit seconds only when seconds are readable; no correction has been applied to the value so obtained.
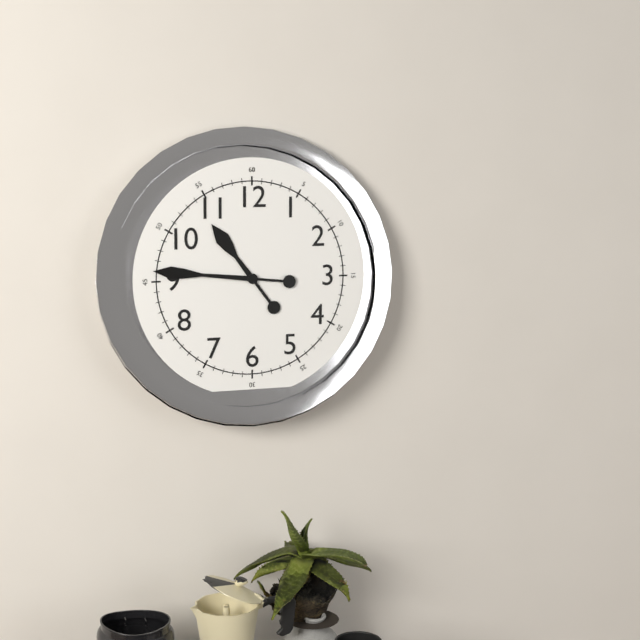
10.46
